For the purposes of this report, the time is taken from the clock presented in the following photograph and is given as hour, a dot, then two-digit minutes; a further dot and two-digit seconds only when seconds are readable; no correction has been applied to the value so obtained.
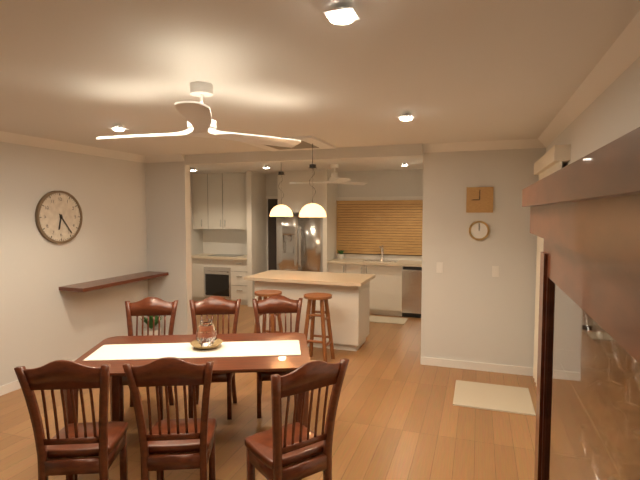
6.24
